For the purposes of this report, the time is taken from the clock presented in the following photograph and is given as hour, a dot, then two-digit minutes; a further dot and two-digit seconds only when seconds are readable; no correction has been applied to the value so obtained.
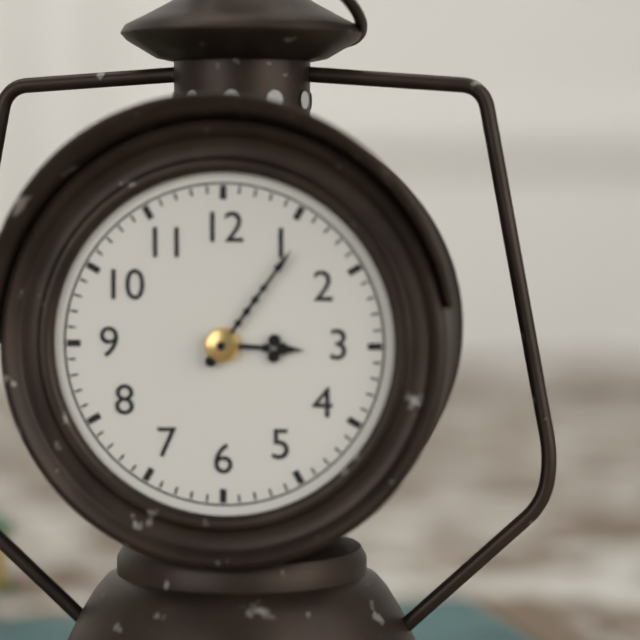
3.06
